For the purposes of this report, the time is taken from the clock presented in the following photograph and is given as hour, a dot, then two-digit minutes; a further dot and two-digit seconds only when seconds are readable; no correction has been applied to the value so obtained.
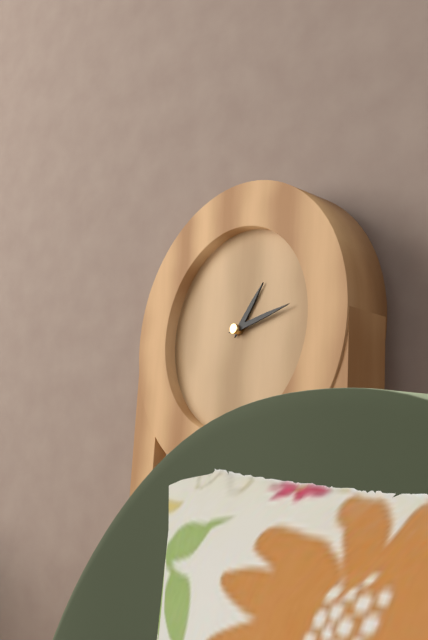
1.13
